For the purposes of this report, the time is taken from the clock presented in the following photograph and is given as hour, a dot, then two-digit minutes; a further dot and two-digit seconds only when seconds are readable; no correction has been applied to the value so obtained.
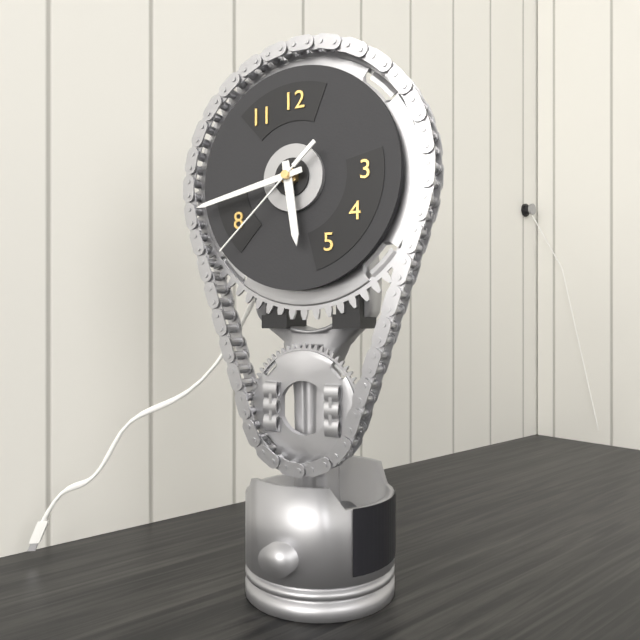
5.43.38
